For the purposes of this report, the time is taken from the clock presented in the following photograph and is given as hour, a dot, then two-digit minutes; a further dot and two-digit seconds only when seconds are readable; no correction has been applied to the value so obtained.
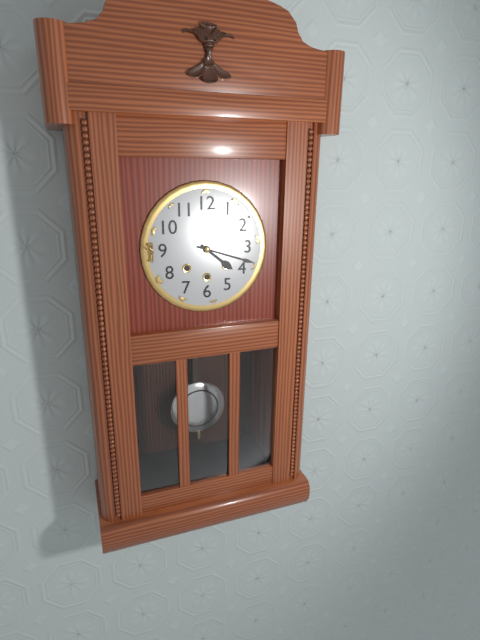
4.18
